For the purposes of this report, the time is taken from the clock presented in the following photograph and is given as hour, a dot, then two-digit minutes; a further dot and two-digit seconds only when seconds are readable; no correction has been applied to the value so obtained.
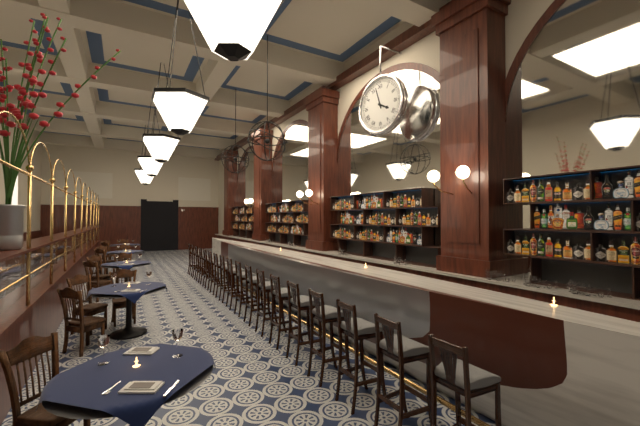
3.57
